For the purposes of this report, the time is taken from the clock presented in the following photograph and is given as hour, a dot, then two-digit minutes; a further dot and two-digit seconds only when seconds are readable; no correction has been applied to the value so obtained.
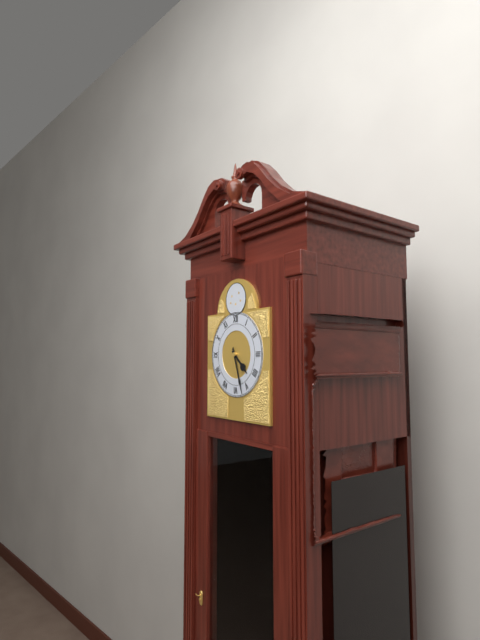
4.27
